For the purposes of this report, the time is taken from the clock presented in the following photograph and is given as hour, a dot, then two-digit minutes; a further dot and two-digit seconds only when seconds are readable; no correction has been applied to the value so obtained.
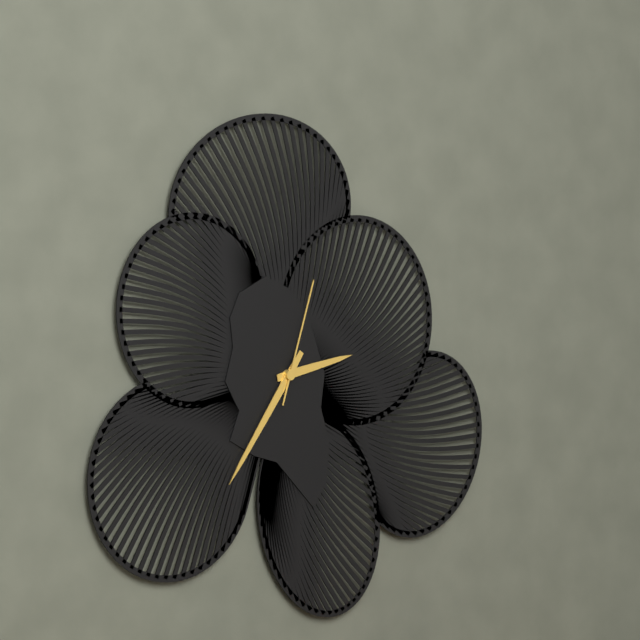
2.36.03
